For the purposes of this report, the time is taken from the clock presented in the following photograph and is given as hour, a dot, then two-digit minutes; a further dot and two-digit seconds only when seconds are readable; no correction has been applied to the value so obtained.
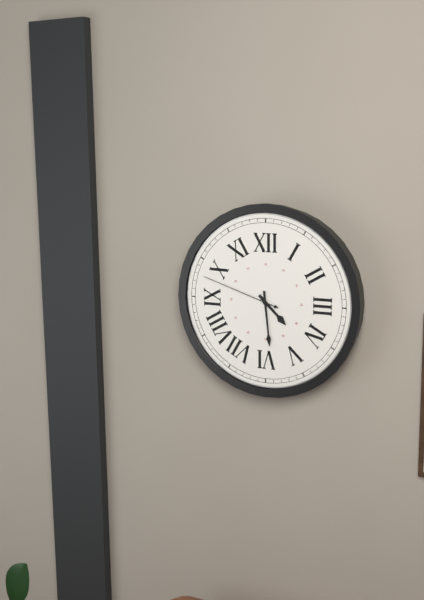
4.29.48
